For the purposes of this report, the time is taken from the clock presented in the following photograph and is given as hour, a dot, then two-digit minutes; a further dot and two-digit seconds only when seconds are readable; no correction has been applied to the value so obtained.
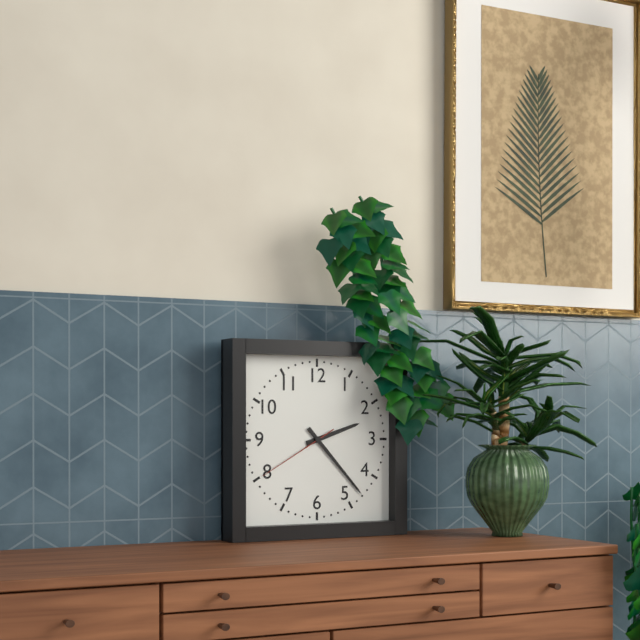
2.23.40
